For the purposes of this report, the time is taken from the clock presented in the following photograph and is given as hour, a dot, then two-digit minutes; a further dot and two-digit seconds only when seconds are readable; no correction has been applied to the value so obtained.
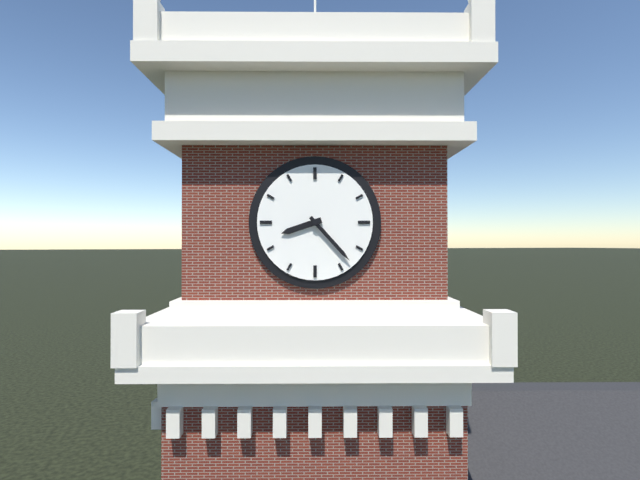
8.23
